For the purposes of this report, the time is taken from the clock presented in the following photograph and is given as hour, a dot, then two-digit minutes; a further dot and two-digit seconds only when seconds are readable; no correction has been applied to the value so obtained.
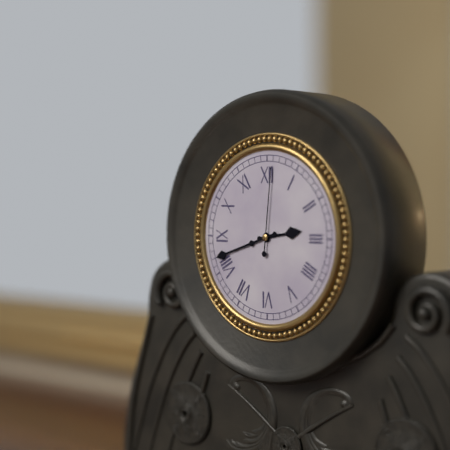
2.42.01
